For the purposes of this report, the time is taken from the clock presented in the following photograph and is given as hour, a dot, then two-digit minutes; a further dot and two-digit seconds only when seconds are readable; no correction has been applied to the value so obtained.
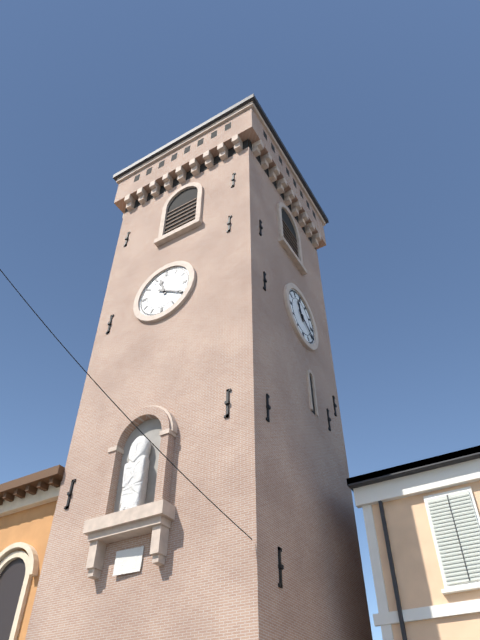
11.20
